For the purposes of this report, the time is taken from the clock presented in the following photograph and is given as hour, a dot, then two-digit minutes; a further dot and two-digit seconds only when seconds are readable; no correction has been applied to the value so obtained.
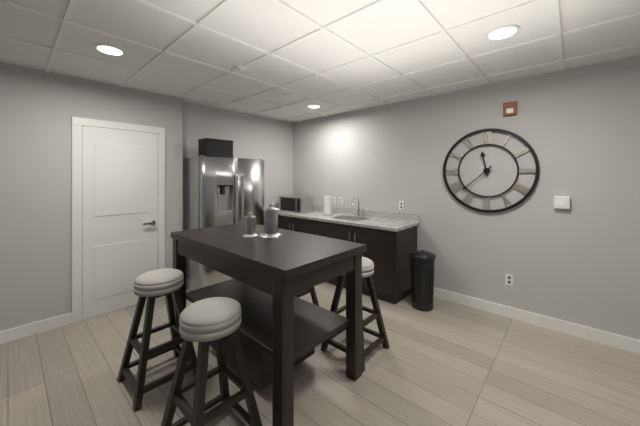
11.38
